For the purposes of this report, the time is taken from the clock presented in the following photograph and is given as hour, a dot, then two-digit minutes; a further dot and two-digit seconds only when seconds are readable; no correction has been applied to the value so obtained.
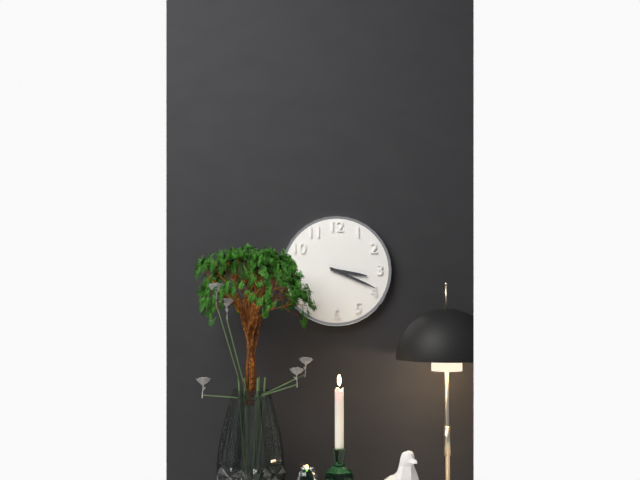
3.19
